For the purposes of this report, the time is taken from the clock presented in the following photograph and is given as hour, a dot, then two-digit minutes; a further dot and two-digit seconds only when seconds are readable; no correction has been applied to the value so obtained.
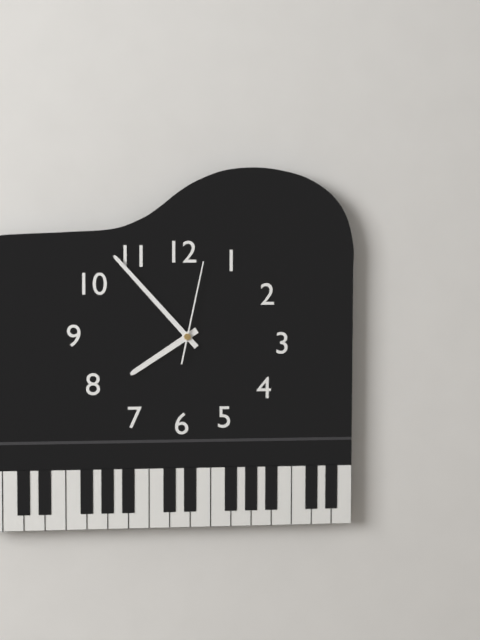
7.53.02
